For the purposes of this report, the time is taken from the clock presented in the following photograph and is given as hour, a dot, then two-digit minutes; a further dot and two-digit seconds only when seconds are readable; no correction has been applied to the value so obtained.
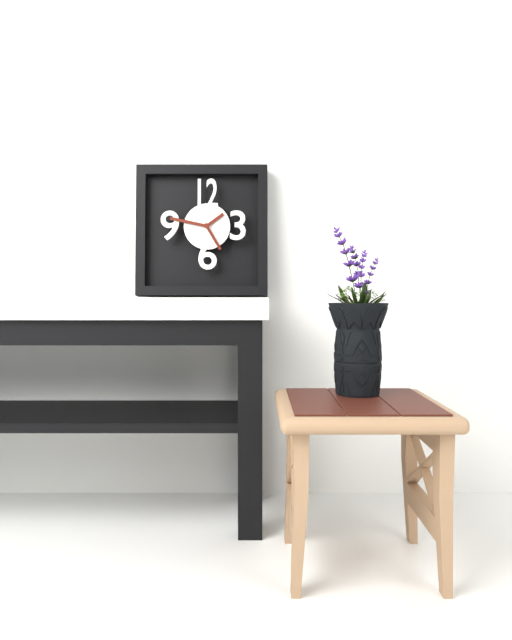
1.47
